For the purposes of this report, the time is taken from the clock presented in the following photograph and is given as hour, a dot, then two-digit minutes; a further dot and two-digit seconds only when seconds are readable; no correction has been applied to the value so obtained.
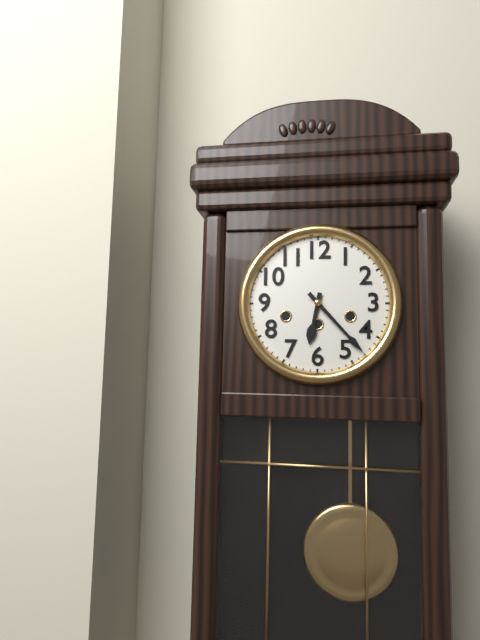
6.23
